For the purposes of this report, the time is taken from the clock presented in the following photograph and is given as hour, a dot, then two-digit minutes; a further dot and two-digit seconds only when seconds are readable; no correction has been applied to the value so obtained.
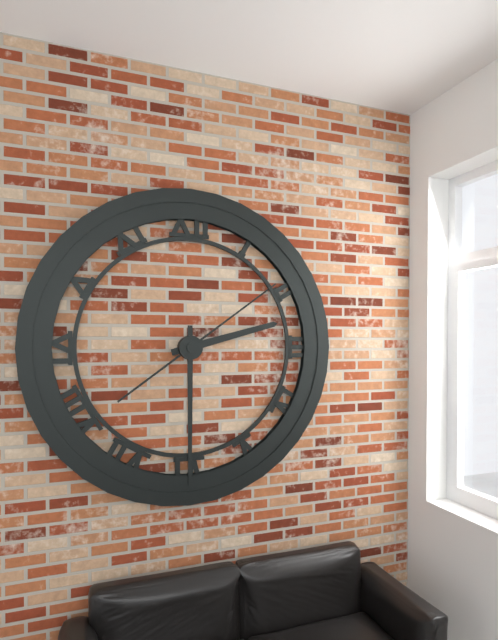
2.30.09
